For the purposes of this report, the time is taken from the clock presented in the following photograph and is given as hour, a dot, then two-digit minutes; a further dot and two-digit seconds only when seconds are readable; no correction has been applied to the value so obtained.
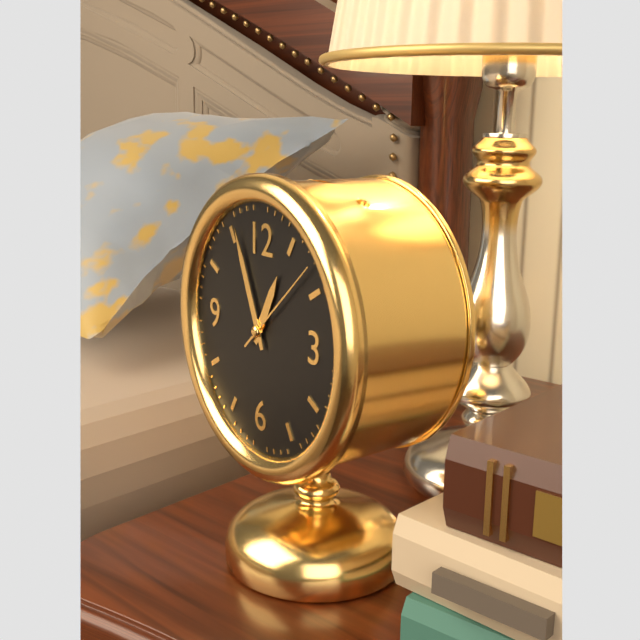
12.56.08
